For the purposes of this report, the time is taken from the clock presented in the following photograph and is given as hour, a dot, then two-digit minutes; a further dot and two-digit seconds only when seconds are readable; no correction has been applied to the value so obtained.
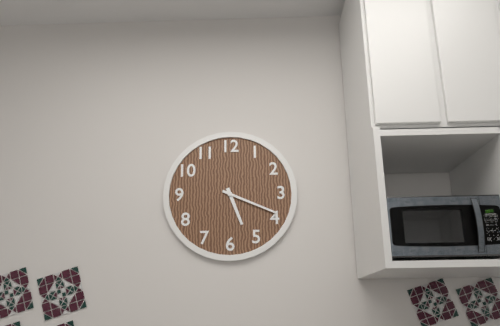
5.19
